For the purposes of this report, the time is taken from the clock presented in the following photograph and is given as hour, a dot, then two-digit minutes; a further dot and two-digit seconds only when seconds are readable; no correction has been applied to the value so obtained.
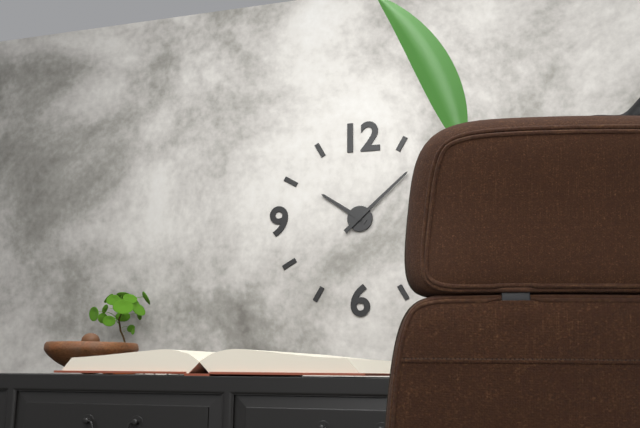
10.08
